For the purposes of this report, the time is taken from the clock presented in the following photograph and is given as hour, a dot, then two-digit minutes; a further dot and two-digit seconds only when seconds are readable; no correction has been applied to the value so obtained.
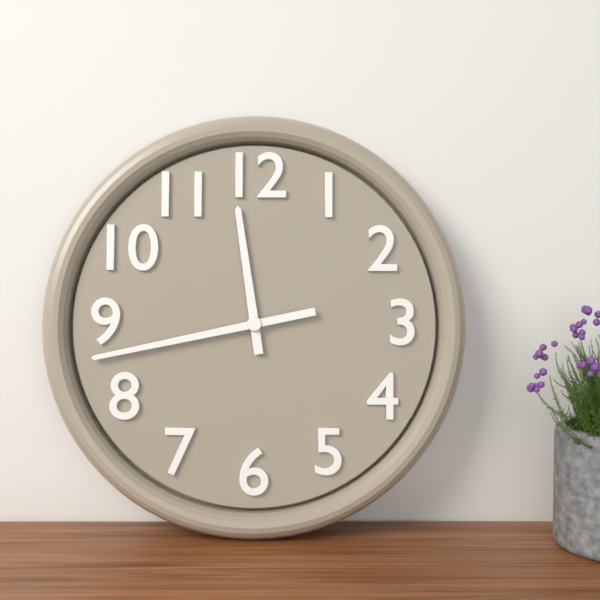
11.43
